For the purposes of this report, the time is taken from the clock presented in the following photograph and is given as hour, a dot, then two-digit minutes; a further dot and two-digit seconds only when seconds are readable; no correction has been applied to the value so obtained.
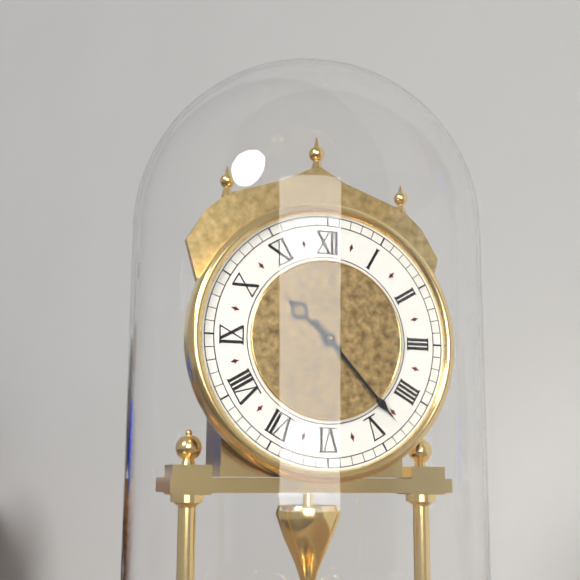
10.23
